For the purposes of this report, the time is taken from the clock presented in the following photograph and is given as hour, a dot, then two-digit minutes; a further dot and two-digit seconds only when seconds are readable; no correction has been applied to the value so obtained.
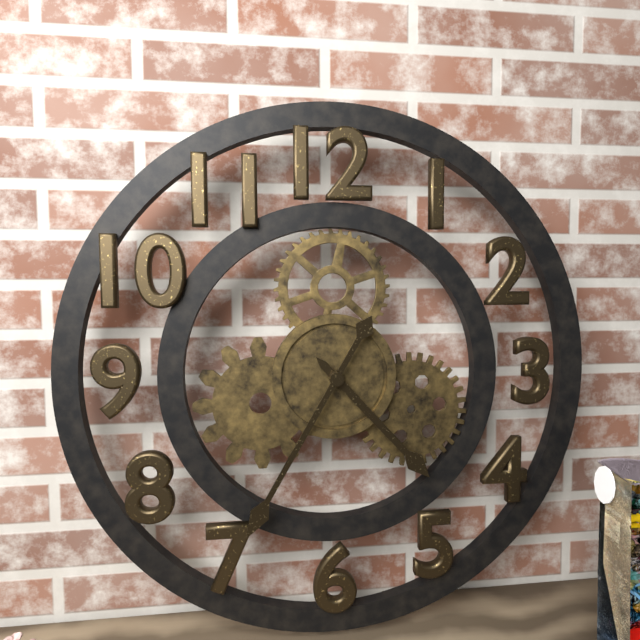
4.35
